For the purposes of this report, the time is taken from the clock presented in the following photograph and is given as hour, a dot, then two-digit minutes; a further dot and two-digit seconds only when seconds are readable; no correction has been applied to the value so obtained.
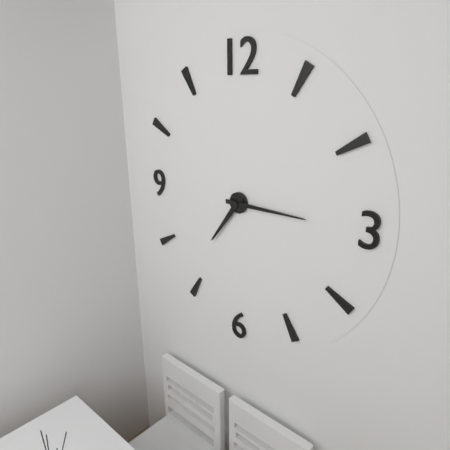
7.15
